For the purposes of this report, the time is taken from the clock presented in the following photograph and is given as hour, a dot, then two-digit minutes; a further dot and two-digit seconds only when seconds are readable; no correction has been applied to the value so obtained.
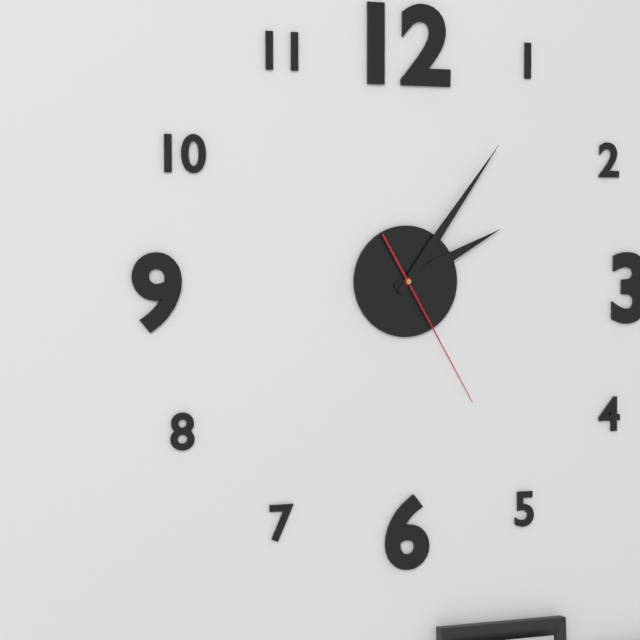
2.06.25
